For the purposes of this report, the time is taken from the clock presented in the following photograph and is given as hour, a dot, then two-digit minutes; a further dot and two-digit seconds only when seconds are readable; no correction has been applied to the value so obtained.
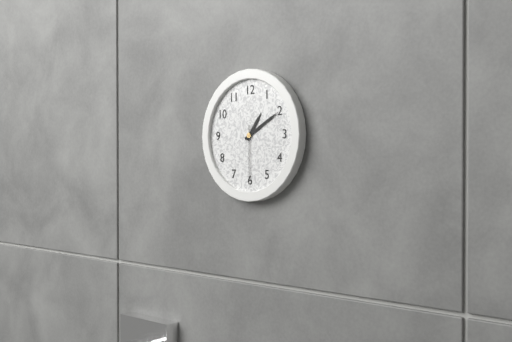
1.10.30
